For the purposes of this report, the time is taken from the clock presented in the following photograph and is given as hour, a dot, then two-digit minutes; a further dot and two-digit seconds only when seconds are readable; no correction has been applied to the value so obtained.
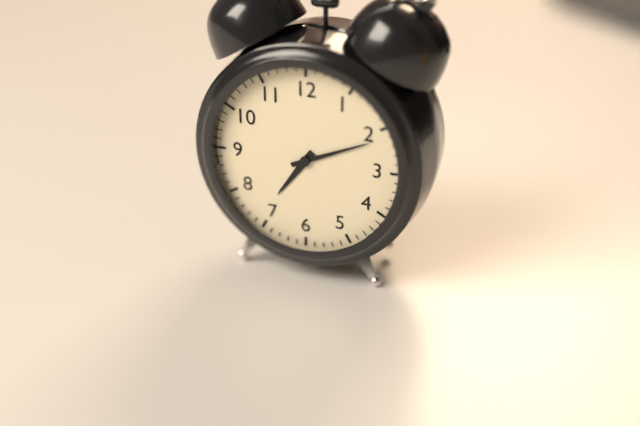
7.11
